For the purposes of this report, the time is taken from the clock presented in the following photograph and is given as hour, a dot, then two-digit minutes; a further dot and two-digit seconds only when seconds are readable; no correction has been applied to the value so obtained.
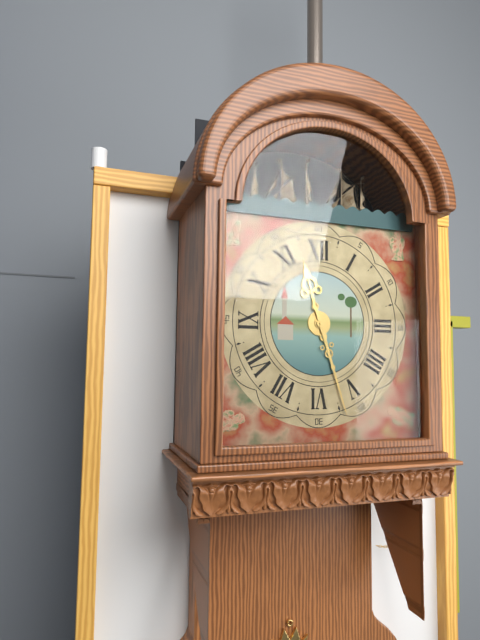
11.27
